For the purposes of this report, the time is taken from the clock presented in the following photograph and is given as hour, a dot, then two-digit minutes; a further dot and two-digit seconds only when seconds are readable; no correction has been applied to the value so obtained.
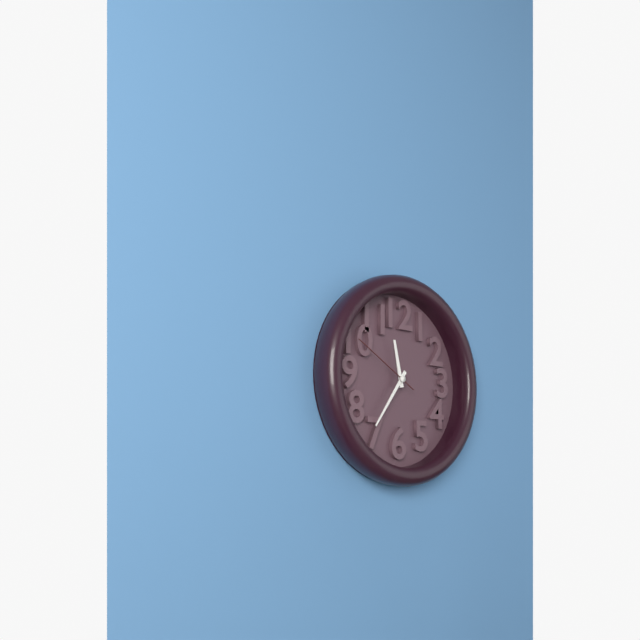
11.36.50
